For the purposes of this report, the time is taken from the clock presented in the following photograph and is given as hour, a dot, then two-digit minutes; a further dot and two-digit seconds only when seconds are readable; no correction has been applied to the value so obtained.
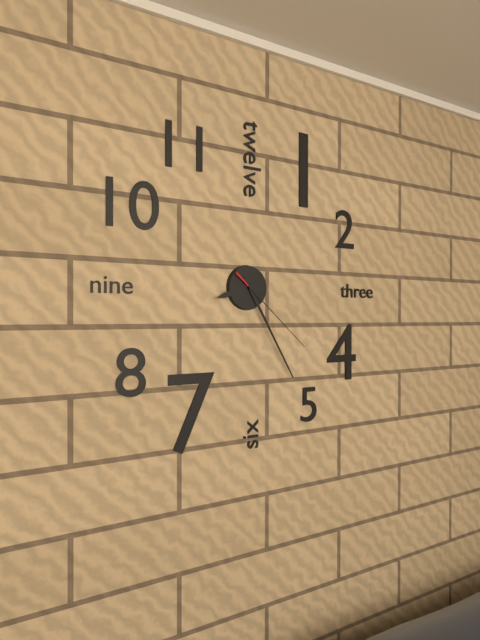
8.25.22
